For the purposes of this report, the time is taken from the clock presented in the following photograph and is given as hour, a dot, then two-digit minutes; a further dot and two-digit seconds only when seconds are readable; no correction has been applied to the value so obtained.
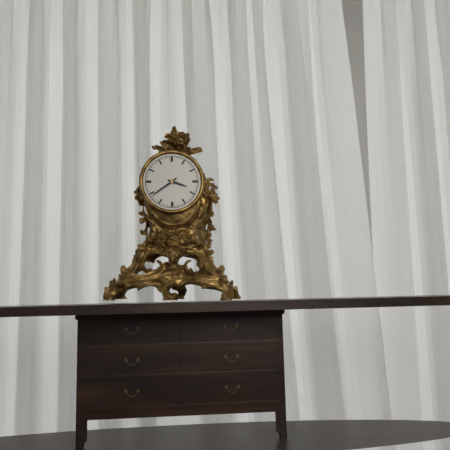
3.39
